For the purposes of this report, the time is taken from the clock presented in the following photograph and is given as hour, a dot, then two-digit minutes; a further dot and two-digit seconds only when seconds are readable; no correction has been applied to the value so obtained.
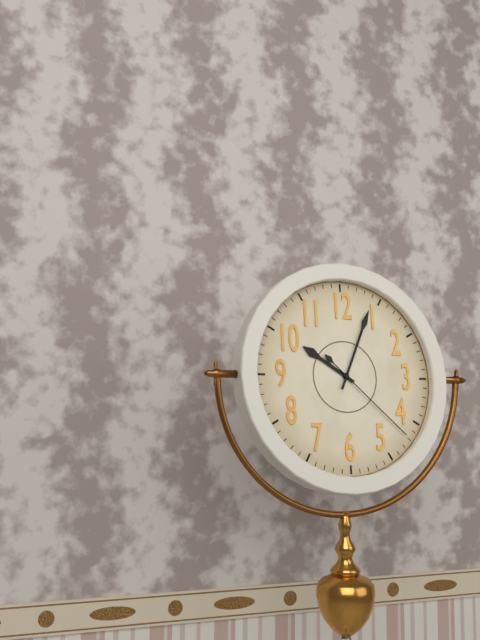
10.04.22
